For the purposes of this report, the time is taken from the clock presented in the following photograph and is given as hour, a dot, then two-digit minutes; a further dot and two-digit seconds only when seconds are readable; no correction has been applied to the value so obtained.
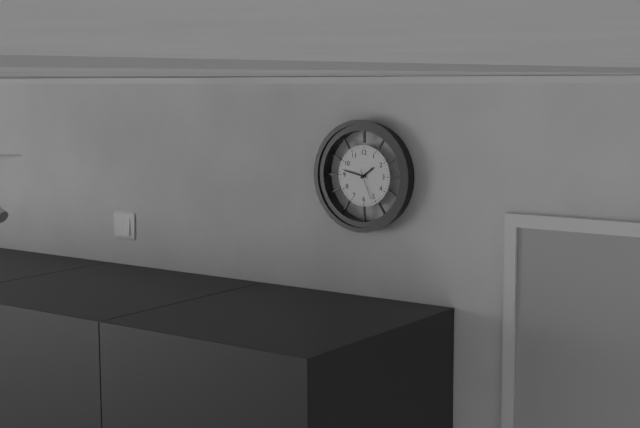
1.47
